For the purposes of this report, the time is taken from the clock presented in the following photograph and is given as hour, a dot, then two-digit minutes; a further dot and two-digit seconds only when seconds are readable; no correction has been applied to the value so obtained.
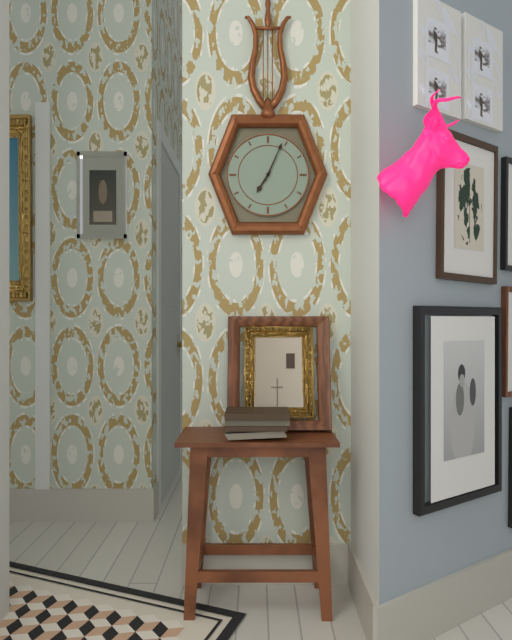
7.04
